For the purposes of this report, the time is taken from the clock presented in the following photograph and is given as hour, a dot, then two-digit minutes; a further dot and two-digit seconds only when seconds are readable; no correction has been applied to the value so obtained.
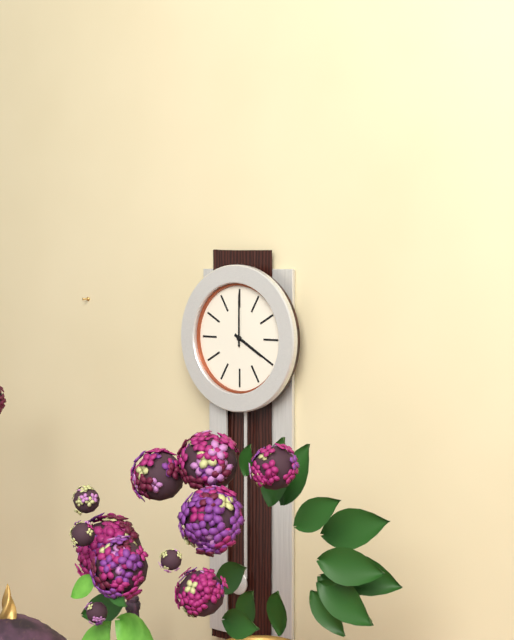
4.00
